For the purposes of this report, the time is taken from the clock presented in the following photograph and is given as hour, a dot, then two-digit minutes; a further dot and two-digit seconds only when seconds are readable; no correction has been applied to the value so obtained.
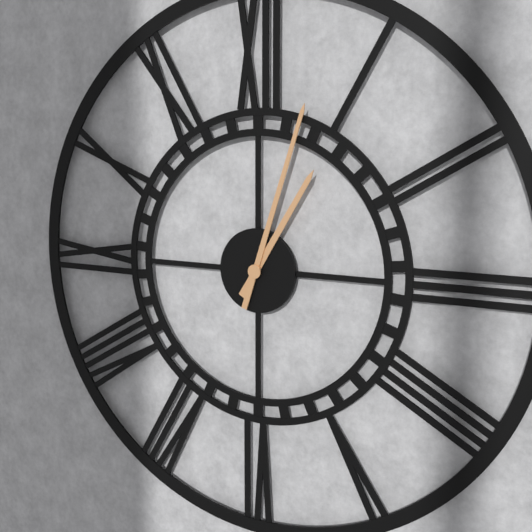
1.03
